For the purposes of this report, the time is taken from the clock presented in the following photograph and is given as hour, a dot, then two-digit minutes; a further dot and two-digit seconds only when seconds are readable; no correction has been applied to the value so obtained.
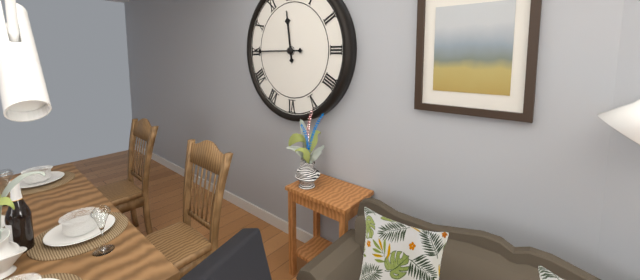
11.45
